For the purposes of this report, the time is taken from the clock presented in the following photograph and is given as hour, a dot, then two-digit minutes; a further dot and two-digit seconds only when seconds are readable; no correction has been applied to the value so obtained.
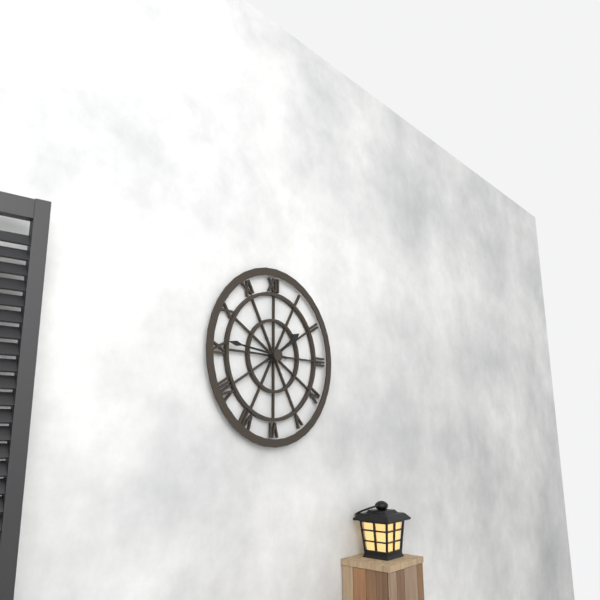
1.46
